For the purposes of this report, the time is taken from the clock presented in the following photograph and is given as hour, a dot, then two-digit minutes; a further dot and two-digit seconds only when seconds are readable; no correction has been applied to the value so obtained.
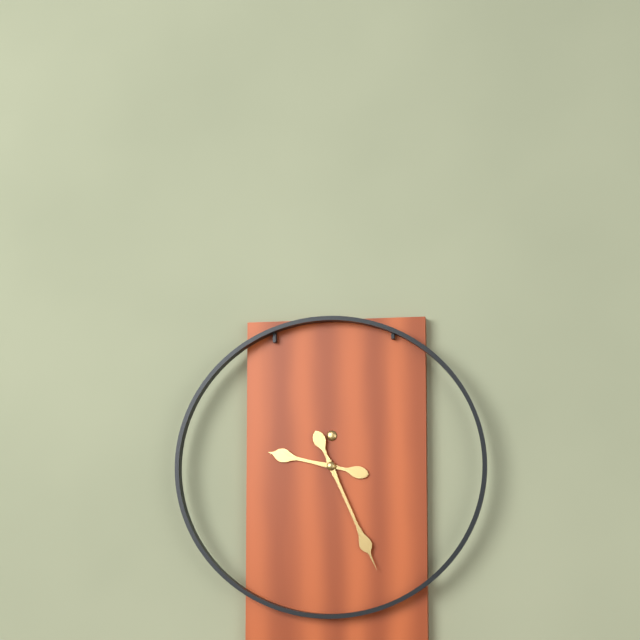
9.26
